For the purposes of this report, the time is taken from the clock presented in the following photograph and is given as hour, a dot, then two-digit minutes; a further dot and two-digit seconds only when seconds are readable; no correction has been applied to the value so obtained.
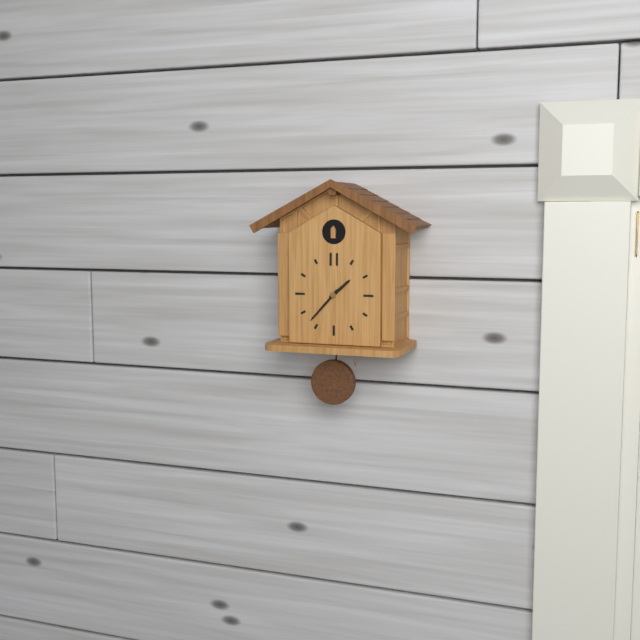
1.37
